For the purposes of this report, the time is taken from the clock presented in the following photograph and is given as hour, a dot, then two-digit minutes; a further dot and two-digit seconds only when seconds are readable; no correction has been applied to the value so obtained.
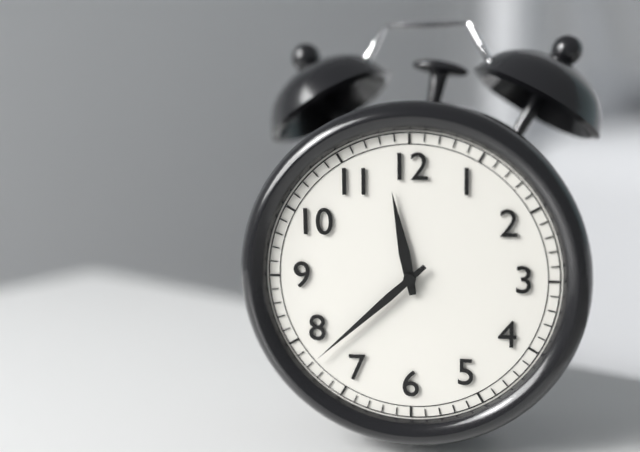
11.38
